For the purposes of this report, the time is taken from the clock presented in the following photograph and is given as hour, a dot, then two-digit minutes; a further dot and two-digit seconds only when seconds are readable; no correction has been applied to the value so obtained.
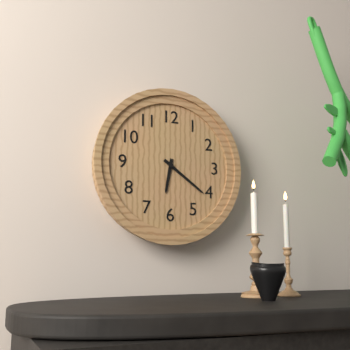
6.21
